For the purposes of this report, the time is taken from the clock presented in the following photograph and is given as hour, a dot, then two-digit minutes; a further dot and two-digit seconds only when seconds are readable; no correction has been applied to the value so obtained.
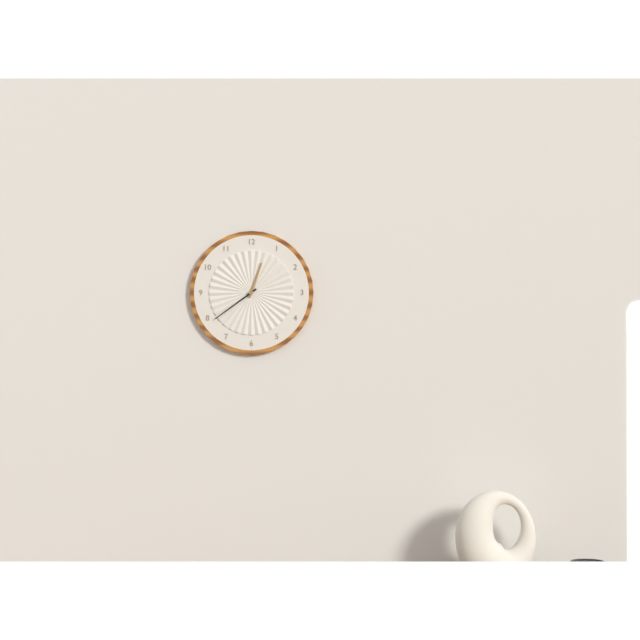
12.39
